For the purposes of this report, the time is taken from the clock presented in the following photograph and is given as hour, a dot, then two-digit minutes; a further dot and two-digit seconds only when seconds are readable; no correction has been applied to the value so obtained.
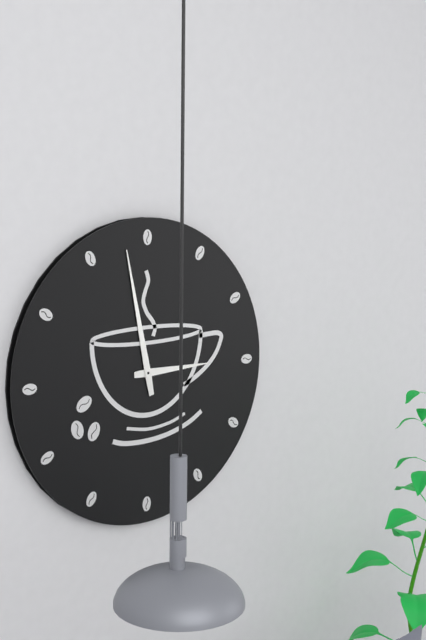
2.58
